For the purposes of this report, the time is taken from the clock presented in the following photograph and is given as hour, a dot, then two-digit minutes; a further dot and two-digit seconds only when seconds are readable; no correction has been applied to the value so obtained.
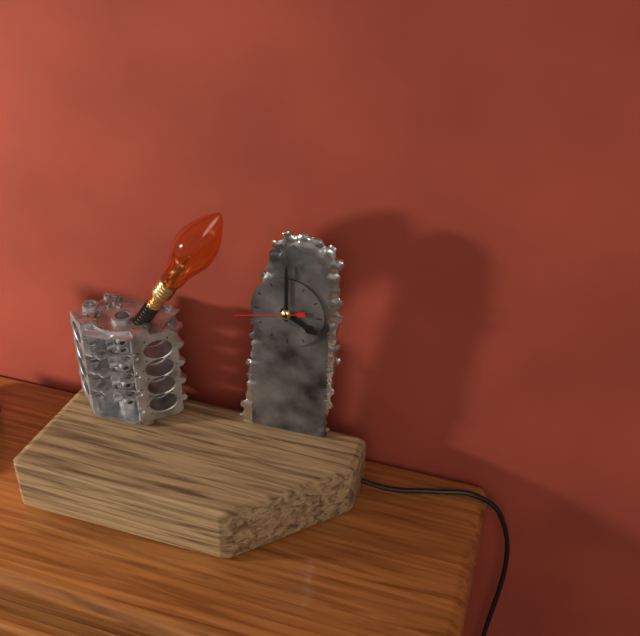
4.00.43
